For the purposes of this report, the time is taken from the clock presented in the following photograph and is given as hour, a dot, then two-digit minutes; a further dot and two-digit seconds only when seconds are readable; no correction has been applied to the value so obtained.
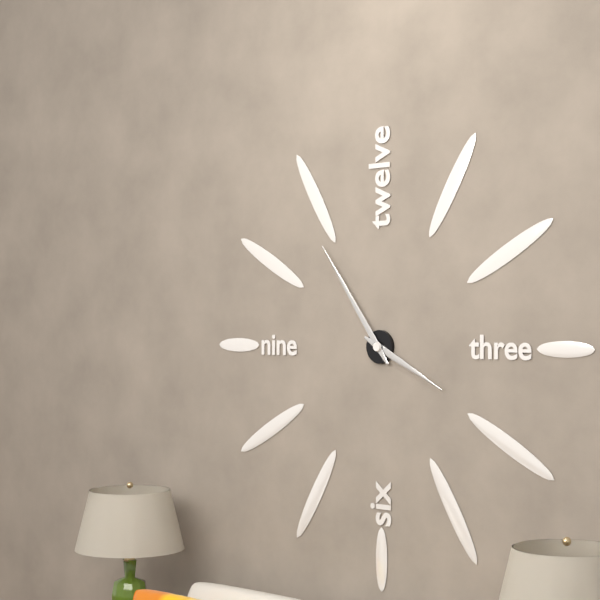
3.54
